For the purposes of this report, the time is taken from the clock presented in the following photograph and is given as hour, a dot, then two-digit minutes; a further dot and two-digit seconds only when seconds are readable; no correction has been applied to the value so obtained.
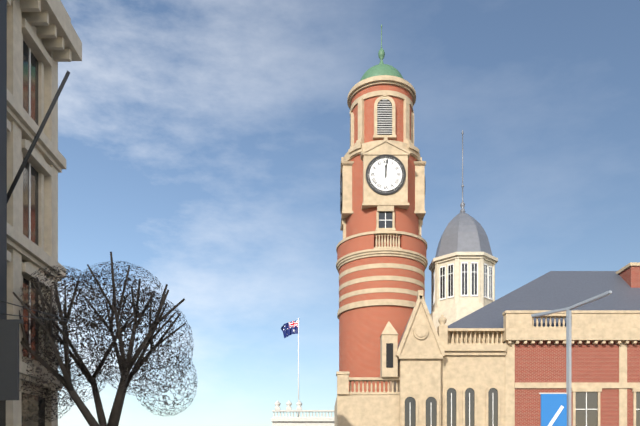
12.01
